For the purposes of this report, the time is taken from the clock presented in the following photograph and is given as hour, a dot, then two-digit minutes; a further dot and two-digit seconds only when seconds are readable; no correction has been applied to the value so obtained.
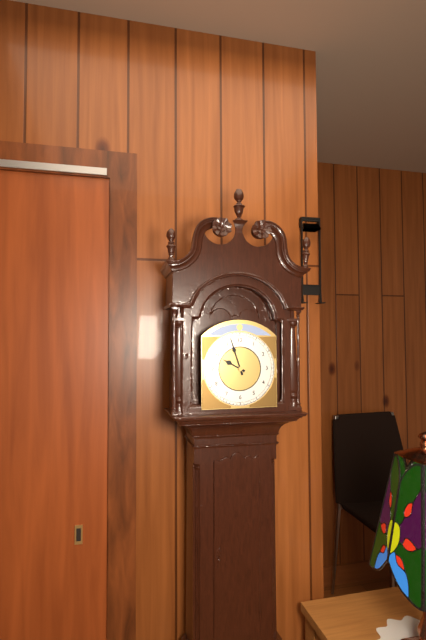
9.57
